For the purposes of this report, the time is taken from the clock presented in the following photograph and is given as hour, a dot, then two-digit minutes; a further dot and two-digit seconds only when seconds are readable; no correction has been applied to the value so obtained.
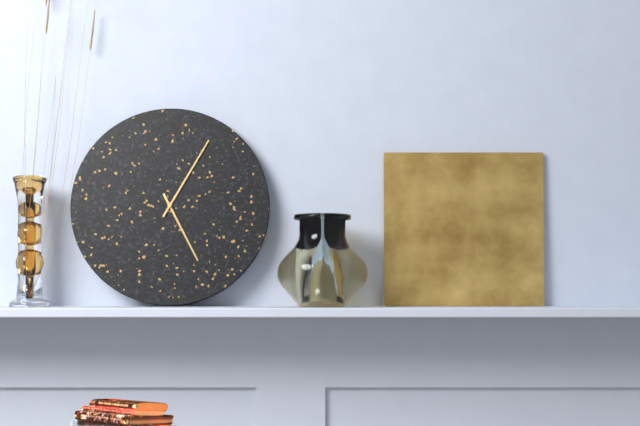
5.05
